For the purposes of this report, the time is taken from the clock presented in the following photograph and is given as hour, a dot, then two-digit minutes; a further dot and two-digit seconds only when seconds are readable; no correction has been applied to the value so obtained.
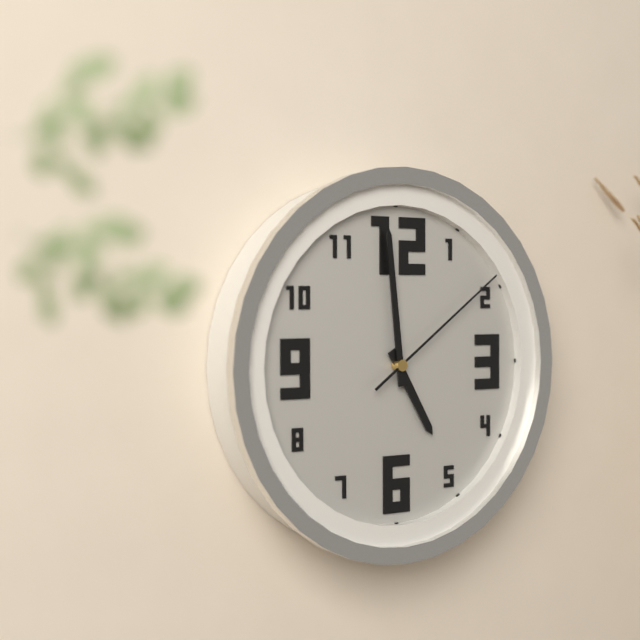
4.59.09
